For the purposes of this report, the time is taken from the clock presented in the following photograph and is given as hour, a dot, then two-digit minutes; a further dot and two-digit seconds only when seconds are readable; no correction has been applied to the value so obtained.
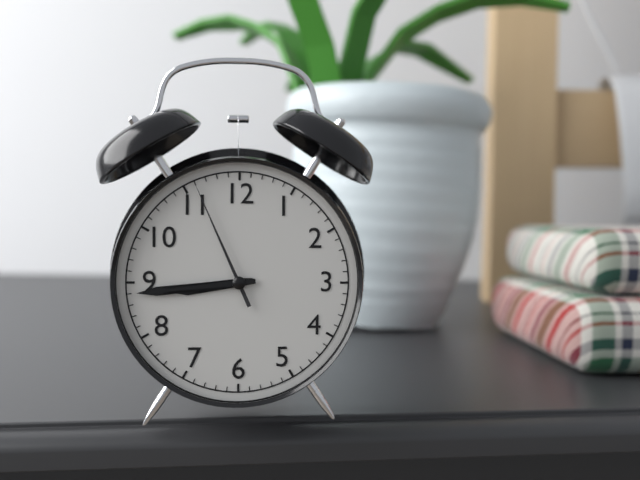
8.44.56
